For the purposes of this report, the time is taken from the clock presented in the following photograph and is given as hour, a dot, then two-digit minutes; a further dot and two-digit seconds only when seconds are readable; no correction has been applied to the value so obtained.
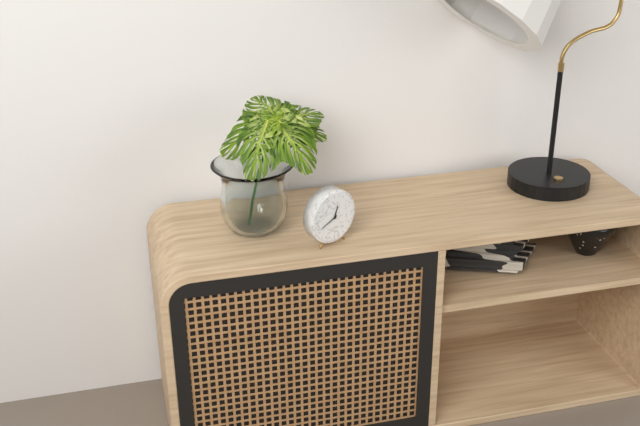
12.41
